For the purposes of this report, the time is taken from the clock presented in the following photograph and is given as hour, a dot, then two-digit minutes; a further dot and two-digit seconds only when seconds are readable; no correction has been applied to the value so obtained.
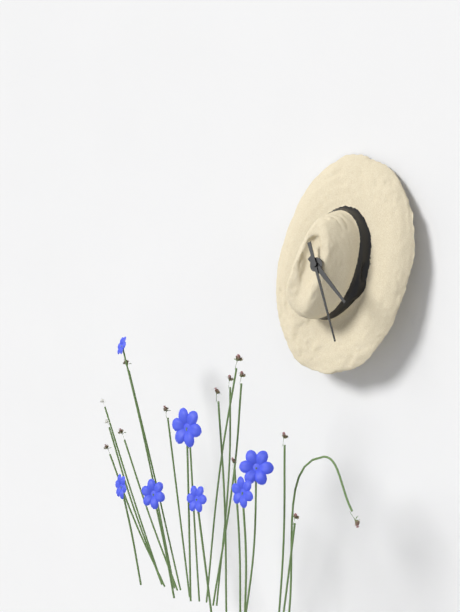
4.26
